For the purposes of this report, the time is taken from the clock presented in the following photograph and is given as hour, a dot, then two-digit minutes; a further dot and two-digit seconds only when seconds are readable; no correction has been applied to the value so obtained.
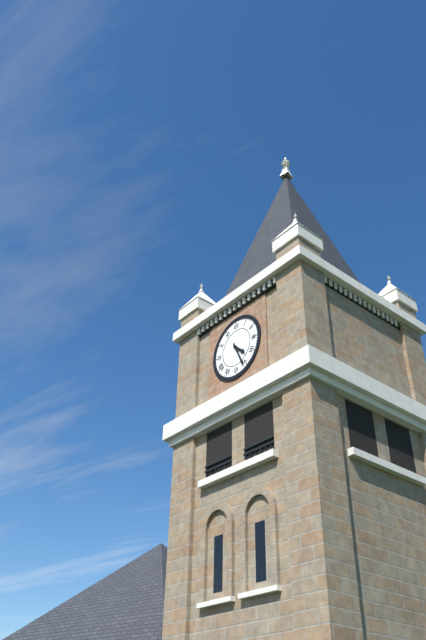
4.26
